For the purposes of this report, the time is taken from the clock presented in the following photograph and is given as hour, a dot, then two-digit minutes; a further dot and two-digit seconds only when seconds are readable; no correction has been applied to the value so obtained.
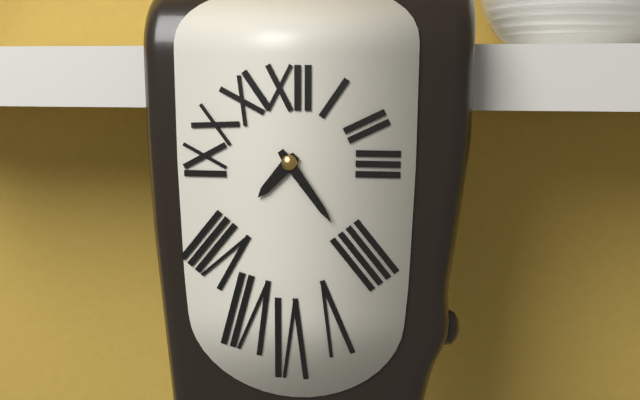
7.24
